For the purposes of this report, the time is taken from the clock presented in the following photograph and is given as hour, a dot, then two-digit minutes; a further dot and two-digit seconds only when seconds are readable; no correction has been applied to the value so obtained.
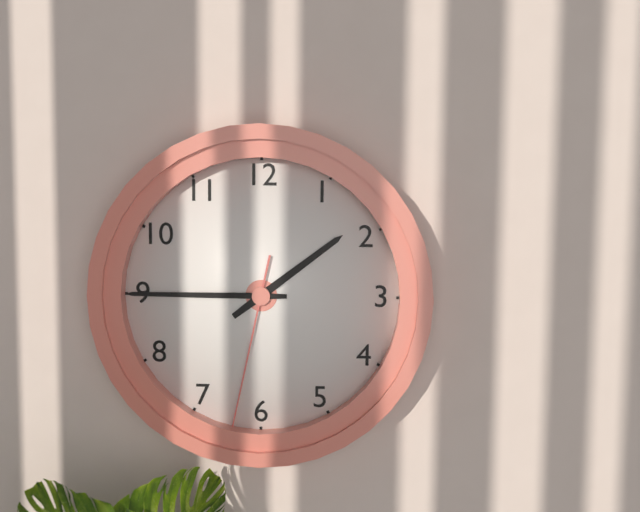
1.45.32
